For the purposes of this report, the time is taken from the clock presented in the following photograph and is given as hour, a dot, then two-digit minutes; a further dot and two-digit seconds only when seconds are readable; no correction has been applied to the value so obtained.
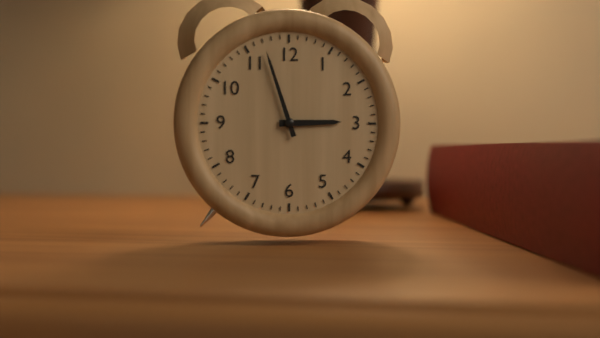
2.57
